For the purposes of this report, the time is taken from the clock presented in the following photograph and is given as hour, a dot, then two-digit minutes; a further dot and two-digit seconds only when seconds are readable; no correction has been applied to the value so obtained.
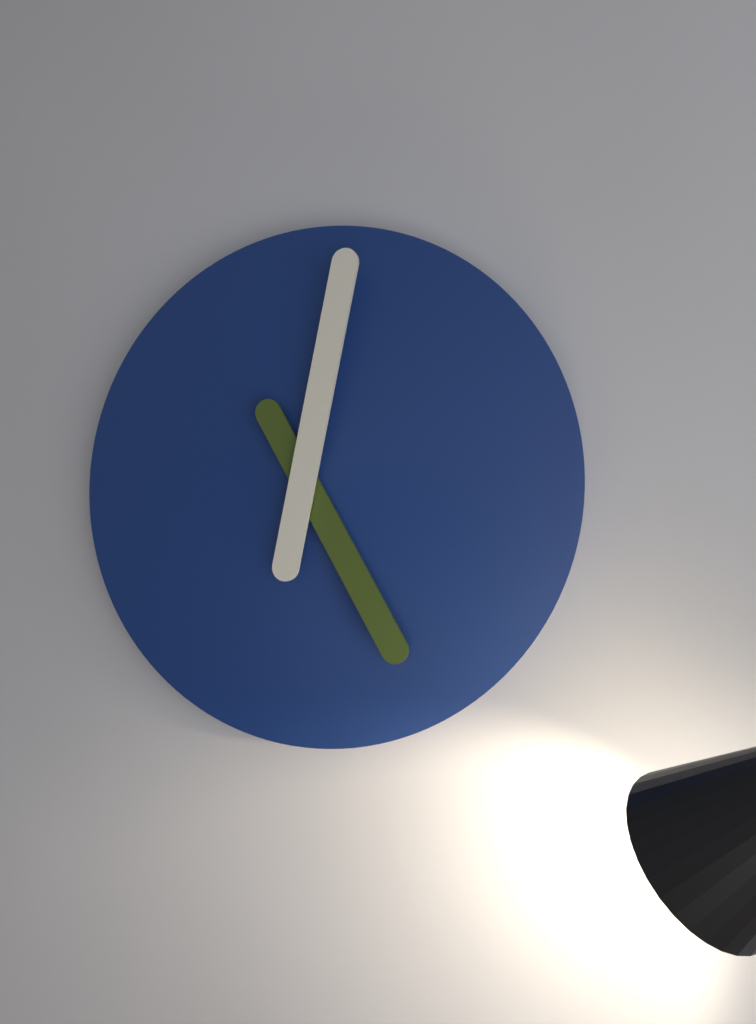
5.02
